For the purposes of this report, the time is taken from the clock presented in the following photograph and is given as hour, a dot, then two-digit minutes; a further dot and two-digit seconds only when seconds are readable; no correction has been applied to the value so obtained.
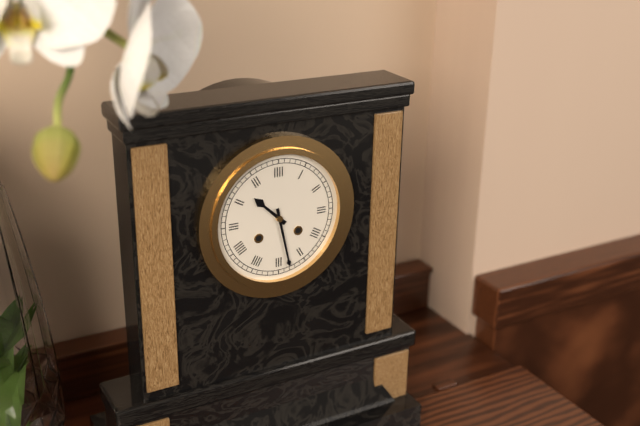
10.28
